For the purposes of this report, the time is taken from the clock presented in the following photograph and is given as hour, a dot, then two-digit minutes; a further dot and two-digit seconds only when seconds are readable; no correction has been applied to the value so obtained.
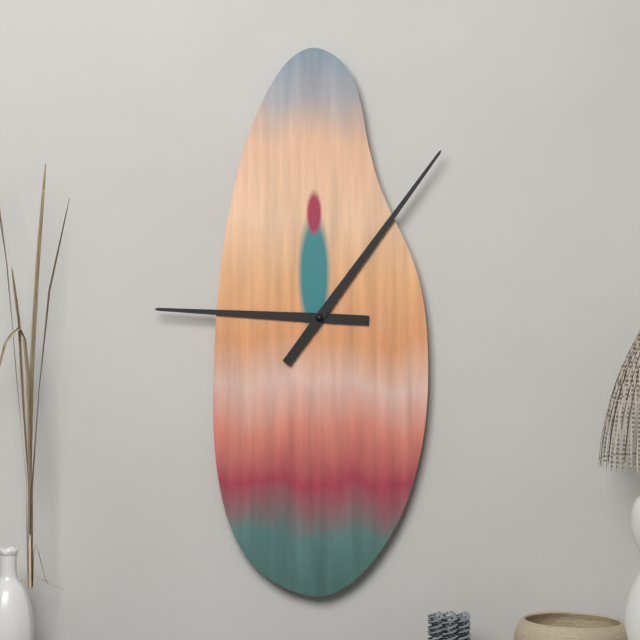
9.06
